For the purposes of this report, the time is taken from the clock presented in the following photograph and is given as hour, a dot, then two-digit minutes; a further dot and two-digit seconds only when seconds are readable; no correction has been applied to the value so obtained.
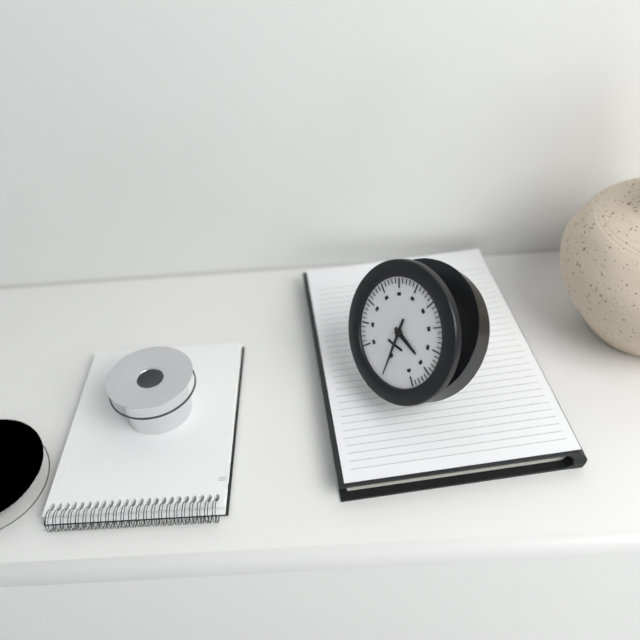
3.30
